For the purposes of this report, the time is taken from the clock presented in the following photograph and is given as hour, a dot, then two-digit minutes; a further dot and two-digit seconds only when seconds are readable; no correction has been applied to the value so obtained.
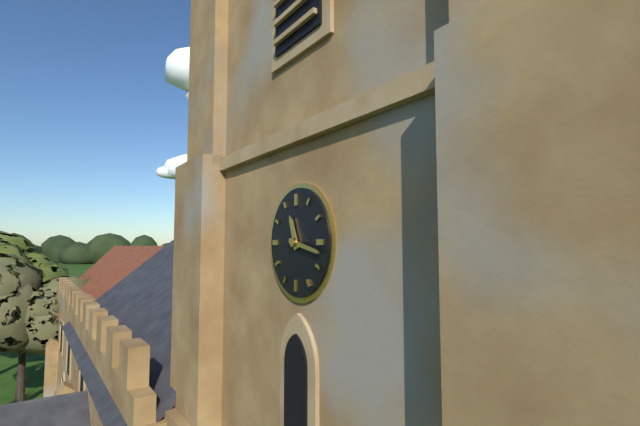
11.17
